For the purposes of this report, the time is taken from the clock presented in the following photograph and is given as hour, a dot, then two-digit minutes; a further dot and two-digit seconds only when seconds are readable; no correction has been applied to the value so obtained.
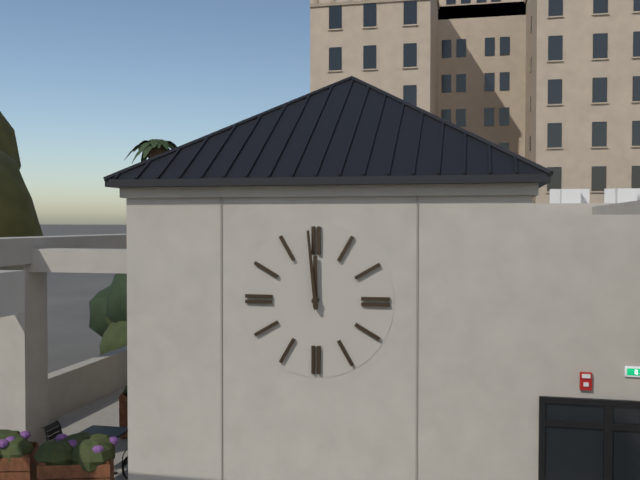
11.59
